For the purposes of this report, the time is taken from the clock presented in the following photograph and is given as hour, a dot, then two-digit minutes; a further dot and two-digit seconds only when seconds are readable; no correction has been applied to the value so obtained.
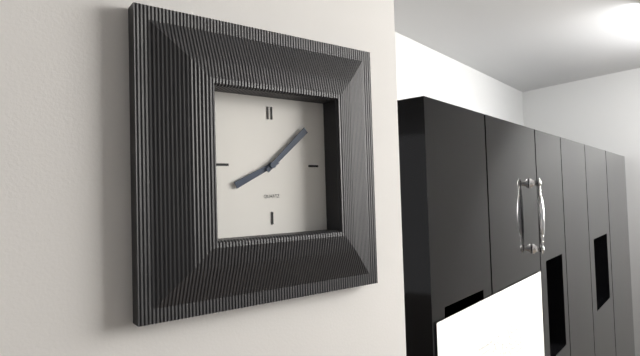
8.08
